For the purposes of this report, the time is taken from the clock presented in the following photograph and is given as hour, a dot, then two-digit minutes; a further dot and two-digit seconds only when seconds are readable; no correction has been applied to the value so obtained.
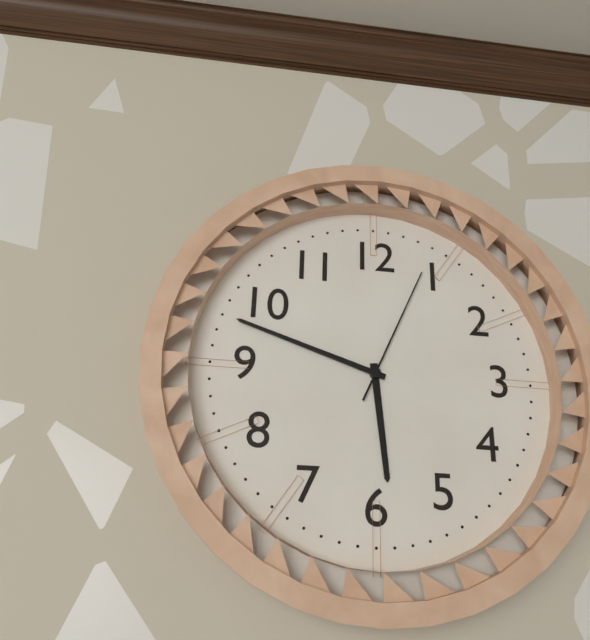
5.48.04
